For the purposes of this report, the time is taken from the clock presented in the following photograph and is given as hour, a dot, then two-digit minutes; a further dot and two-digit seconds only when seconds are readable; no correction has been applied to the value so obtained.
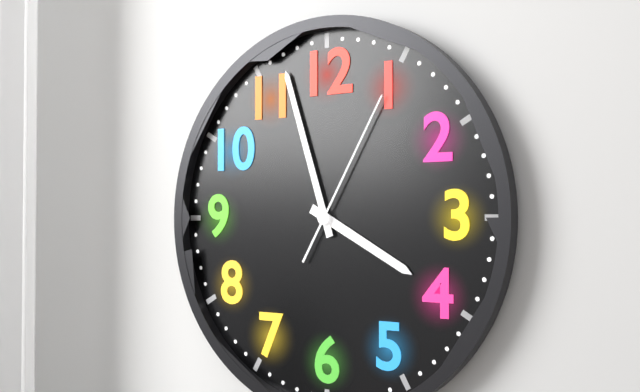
3.57.05
